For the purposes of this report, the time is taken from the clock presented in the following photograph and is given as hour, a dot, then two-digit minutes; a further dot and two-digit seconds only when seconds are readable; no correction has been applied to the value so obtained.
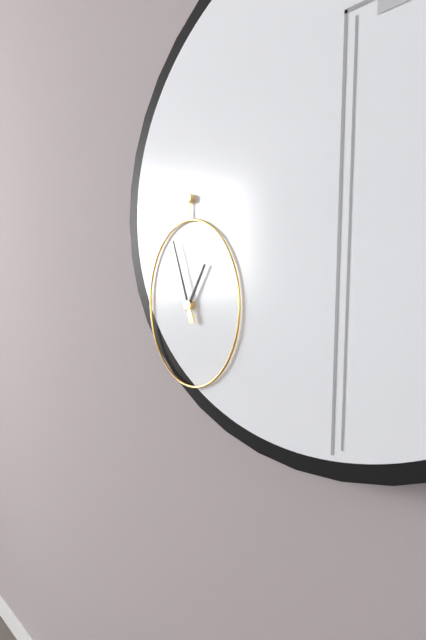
12.57
